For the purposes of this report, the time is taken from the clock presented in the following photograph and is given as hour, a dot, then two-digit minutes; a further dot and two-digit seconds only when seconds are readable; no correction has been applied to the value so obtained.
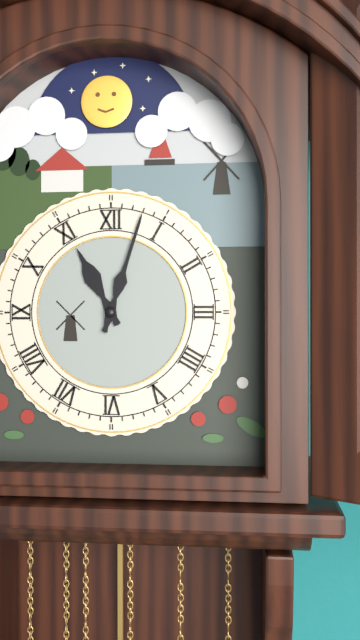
11.03
